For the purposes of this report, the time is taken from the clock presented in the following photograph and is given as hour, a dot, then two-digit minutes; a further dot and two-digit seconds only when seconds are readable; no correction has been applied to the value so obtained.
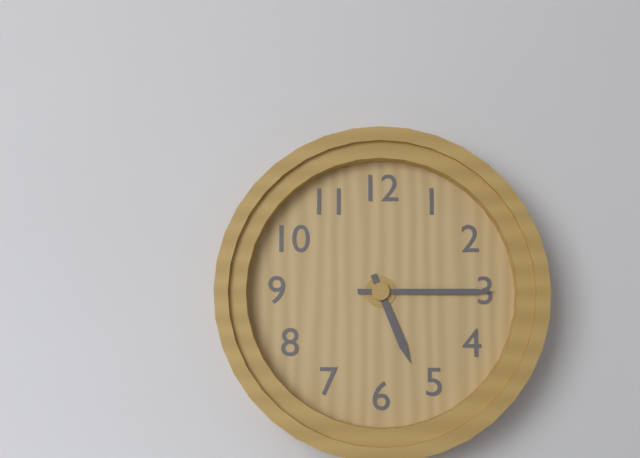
5.15
